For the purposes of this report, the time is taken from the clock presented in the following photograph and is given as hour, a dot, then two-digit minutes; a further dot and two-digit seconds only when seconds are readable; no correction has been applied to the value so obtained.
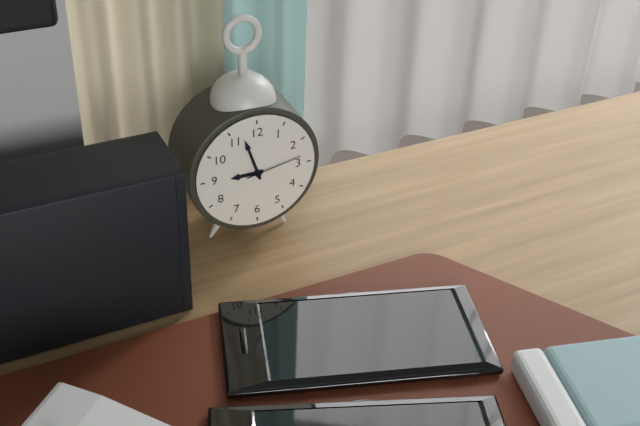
8.57.13
